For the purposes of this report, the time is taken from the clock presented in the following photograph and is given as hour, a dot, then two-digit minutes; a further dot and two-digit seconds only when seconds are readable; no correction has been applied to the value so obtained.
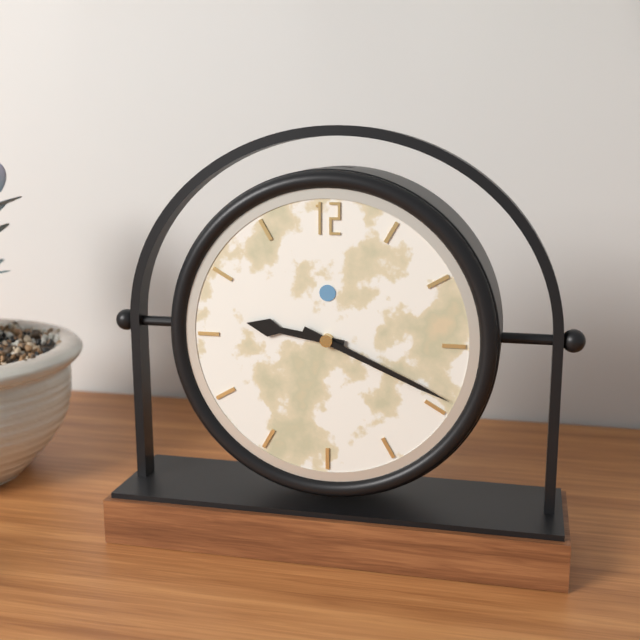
9.19
